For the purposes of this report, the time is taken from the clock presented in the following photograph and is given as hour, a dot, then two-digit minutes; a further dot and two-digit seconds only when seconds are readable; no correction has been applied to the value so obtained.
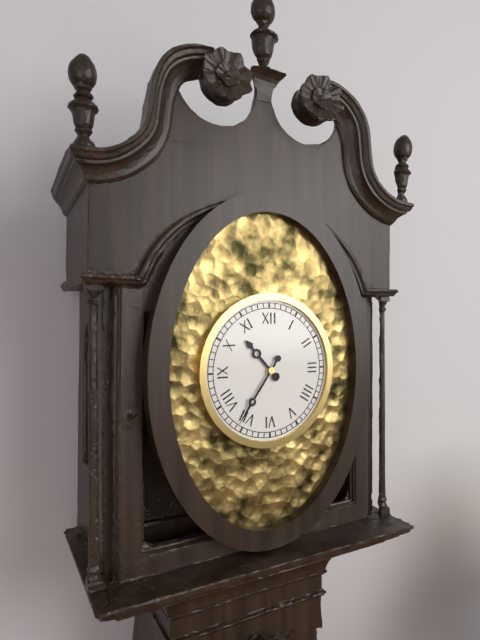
10.36
